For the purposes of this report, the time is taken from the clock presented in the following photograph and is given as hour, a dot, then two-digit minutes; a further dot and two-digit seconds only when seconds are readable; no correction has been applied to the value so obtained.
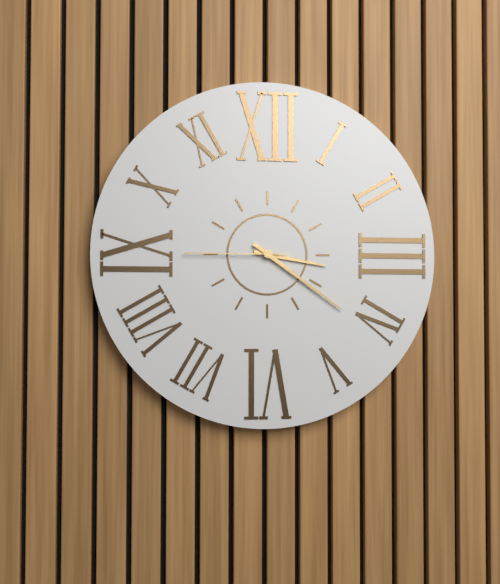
3.21.45
